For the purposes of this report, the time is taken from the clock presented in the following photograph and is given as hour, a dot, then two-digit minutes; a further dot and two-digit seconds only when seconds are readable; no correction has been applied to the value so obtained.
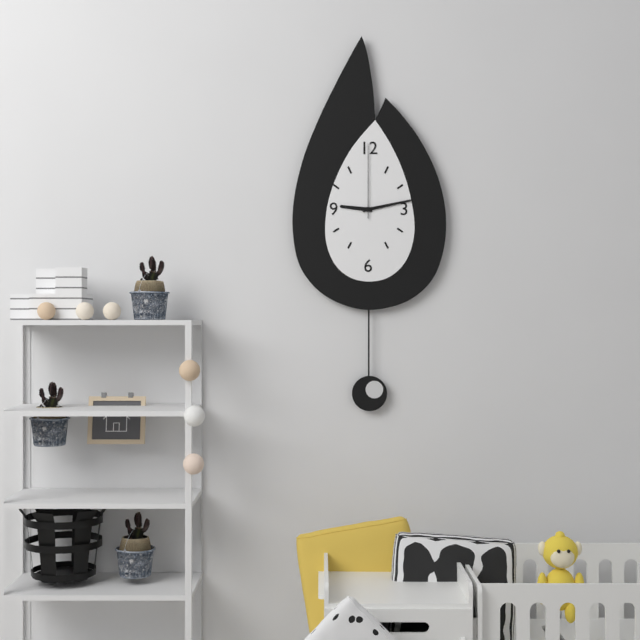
9.13.00
